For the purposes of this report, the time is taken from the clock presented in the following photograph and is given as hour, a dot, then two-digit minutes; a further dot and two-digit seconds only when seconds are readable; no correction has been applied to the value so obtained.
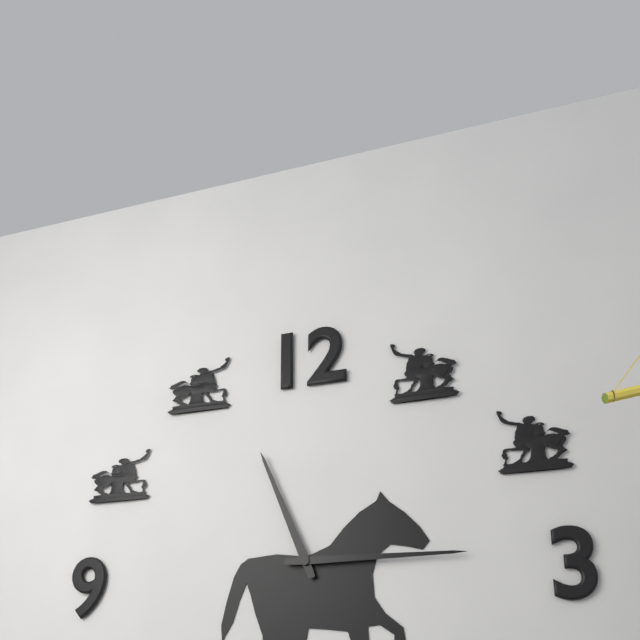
11.15
